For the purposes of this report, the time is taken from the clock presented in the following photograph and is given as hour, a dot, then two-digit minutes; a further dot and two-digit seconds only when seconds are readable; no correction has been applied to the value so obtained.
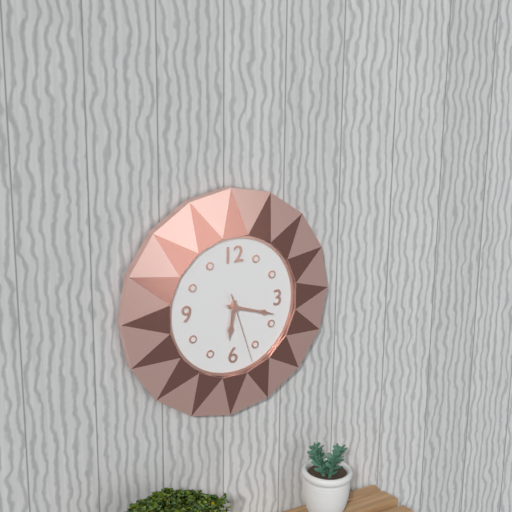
6.18.27
